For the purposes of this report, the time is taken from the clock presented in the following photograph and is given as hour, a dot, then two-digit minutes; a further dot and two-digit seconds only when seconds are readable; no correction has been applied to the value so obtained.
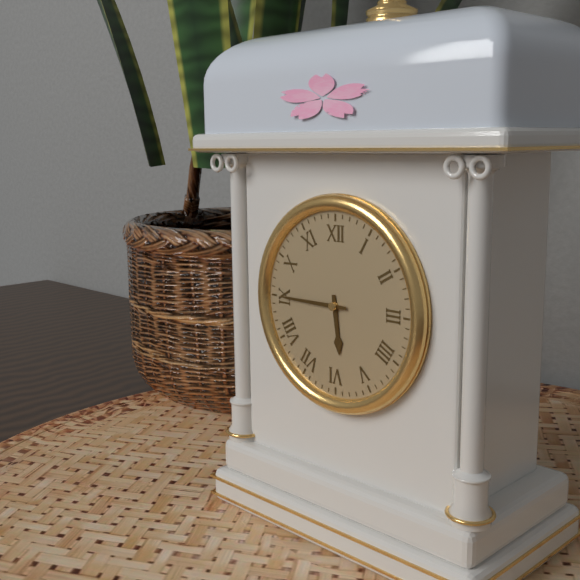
5.45
